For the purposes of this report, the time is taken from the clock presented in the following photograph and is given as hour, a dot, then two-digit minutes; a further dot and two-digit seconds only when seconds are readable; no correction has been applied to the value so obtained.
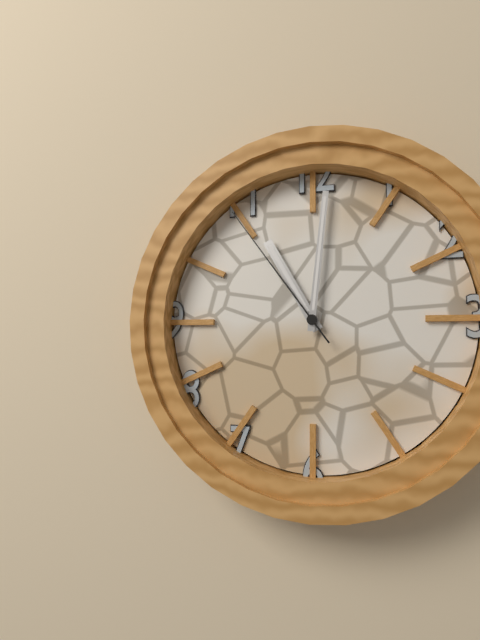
11.01.54
